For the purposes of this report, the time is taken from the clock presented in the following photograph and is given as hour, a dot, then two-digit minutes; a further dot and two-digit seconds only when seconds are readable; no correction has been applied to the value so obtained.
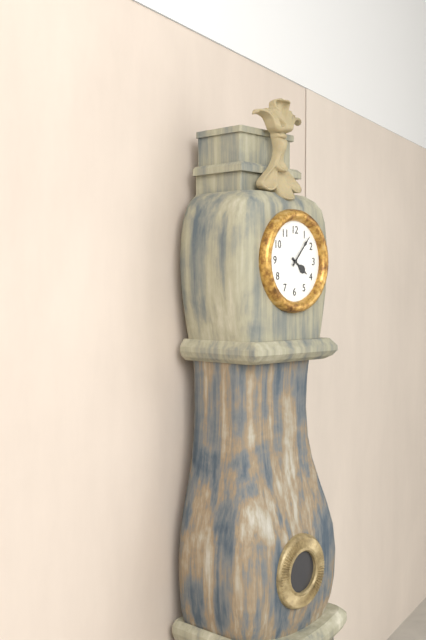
4.07
